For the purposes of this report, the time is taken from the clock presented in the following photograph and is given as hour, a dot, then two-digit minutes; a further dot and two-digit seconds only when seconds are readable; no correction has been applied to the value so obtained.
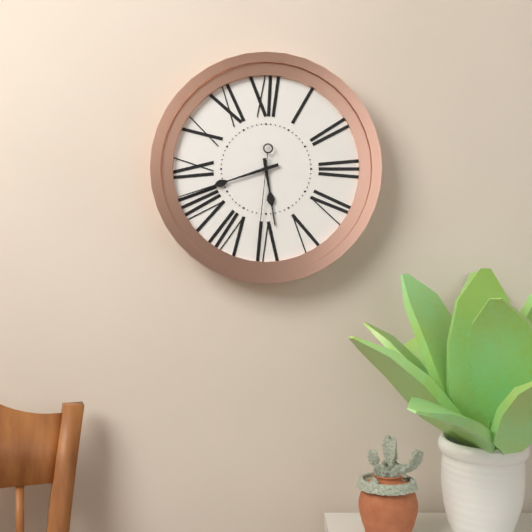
5.42.31
